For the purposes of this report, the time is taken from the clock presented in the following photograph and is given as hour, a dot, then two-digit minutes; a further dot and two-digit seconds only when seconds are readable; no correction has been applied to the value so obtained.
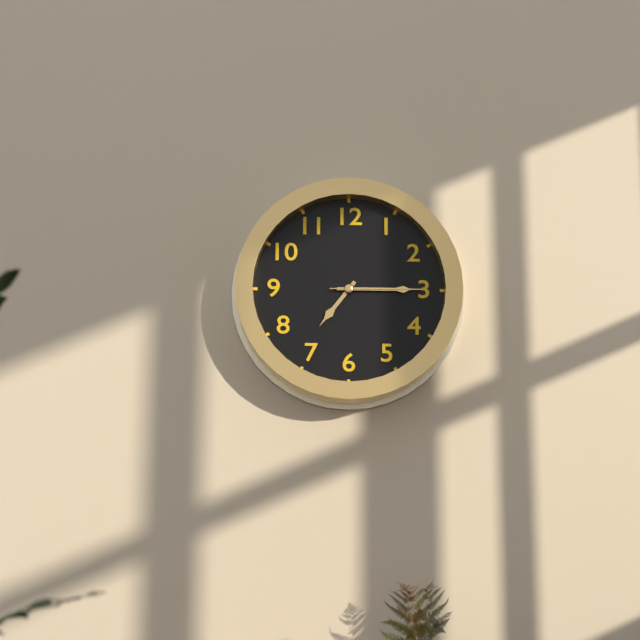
7.15.15
